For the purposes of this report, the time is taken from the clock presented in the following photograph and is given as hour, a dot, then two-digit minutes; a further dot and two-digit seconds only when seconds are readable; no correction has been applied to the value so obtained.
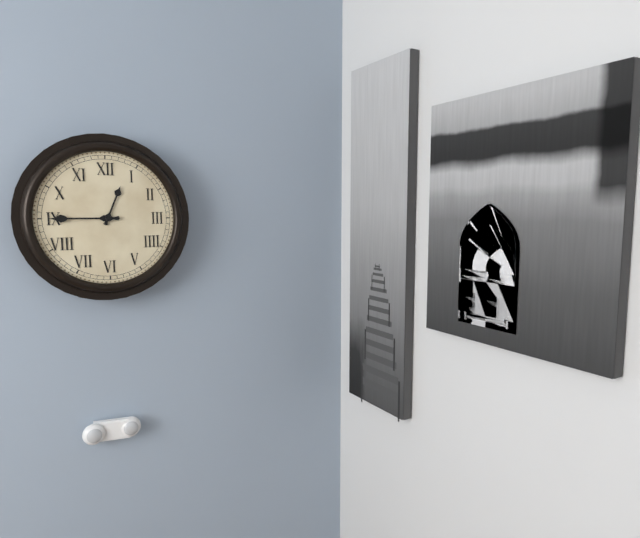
12.45
